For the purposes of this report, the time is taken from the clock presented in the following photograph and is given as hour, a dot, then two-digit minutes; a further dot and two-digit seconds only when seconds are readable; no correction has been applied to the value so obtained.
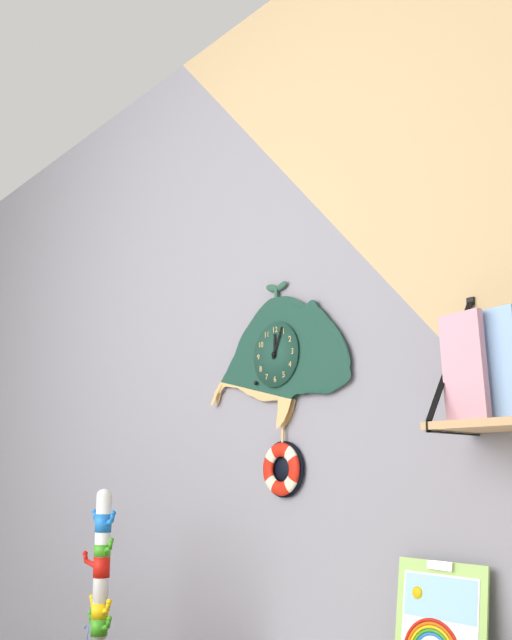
12.04
